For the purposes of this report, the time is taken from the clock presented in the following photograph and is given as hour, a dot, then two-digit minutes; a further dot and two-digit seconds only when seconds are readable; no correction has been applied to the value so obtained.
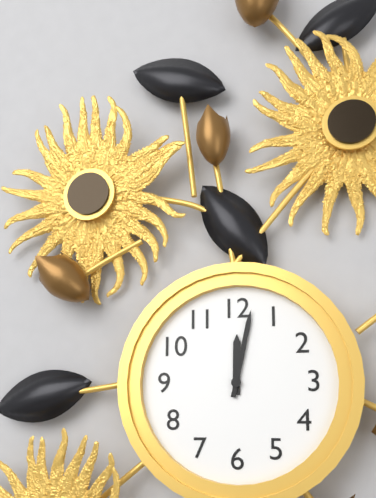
12.02
